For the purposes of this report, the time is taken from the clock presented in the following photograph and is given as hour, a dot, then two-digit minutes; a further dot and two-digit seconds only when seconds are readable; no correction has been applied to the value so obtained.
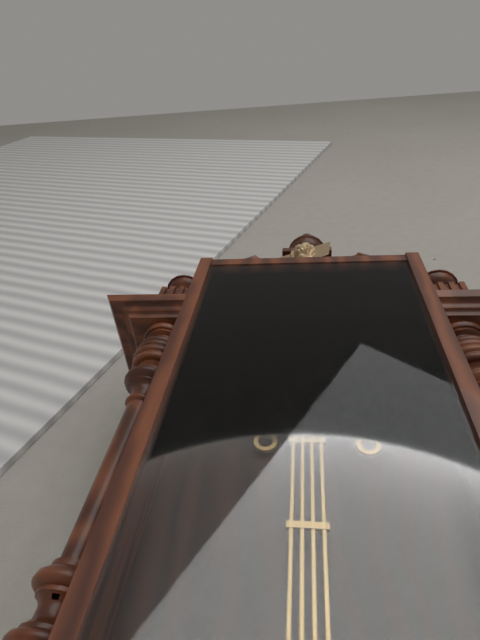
6.44
